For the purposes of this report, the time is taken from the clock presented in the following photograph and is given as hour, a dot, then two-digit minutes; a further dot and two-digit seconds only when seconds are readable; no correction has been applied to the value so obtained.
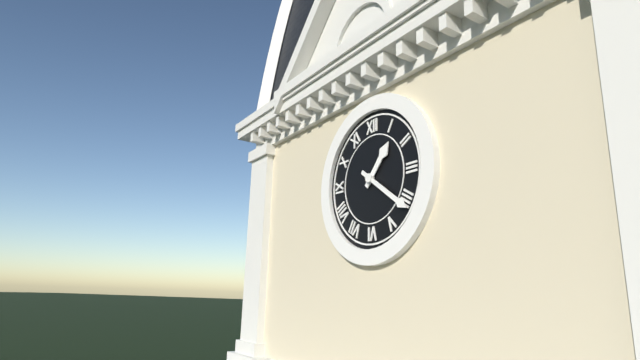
1.21
